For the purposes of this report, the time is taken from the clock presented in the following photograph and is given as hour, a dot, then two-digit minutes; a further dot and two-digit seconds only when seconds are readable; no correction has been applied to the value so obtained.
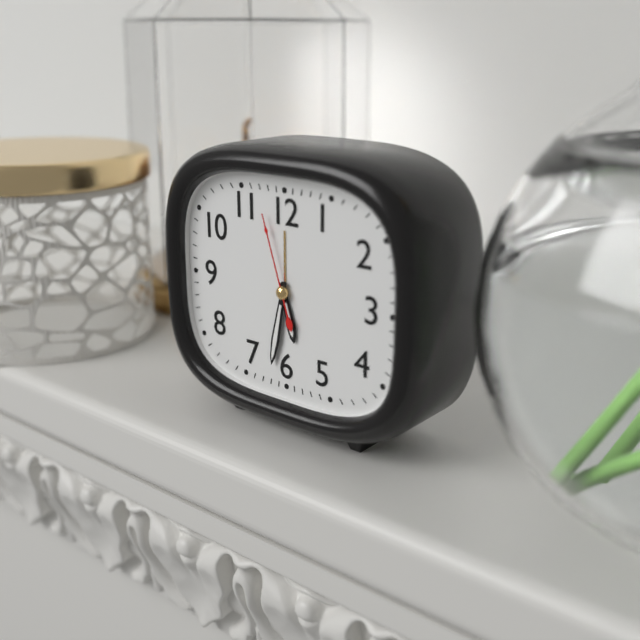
5.32.57
